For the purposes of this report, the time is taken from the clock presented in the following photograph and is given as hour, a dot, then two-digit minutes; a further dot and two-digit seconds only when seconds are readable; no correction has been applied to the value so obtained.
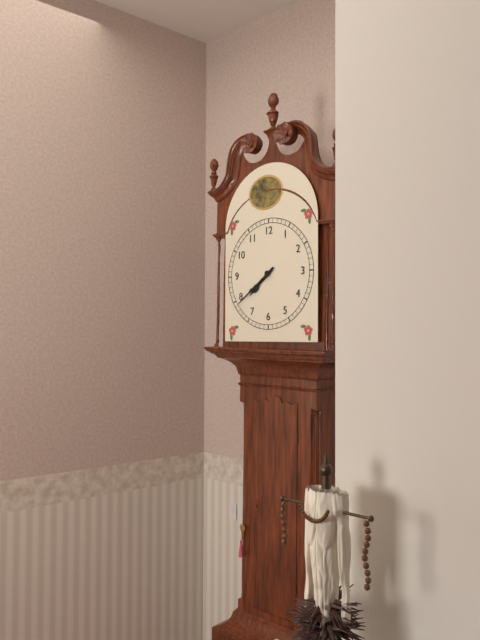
7.39
